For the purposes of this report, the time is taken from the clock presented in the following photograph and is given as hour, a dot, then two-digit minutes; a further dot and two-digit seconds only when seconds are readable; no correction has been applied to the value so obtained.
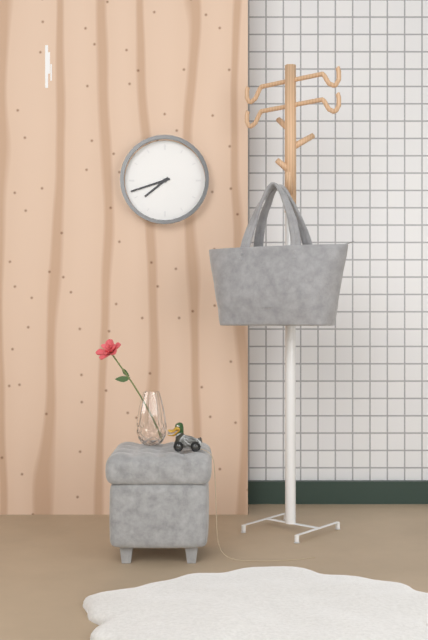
7.42
